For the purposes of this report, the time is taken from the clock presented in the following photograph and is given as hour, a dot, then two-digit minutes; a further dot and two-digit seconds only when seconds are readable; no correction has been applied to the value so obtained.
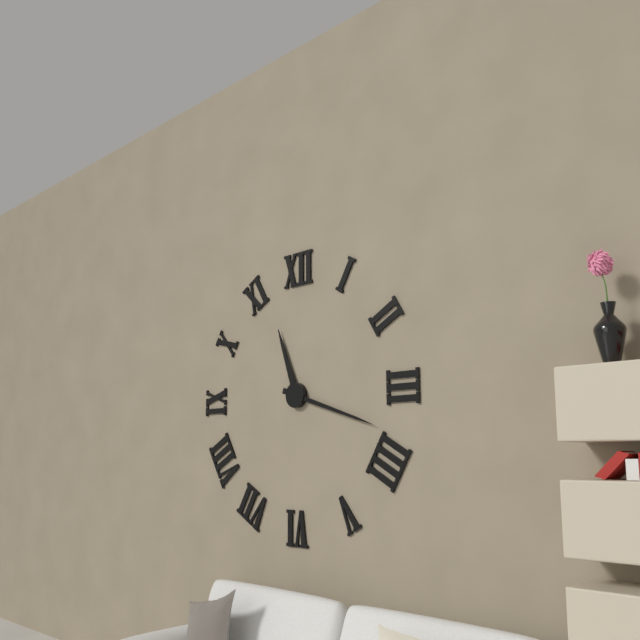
11.18
